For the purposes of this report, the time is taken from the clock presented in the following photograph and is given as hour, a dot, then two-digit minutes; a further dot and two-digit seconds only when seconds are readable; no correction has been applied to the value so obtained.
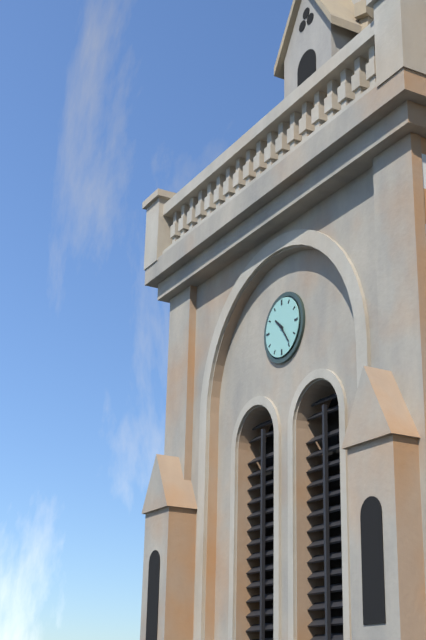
10.24
